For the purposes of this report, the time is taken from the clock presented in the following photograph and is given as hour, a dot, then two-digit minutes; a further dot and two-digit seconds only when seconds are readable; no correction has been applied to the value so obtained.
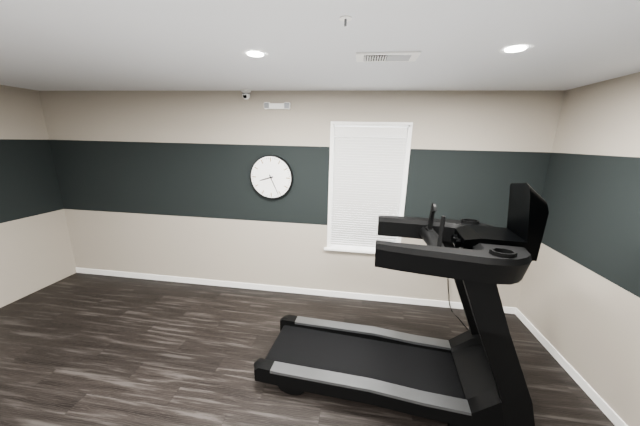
8.26
